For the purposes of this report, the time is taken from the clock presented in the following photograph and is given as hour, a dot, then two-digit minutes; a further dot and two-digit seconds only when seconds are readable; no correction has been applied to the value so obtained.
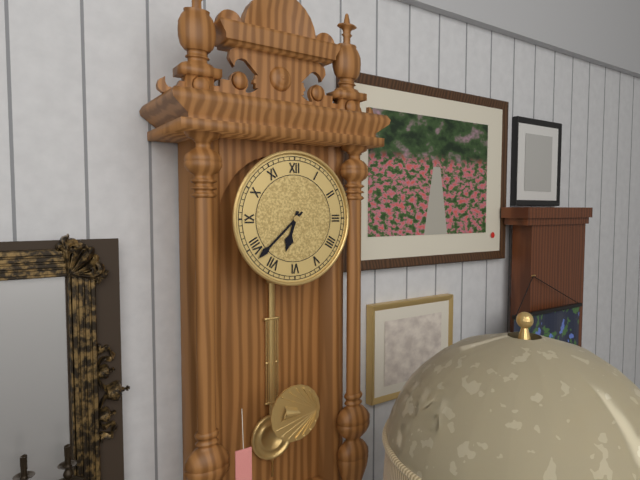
6.38
